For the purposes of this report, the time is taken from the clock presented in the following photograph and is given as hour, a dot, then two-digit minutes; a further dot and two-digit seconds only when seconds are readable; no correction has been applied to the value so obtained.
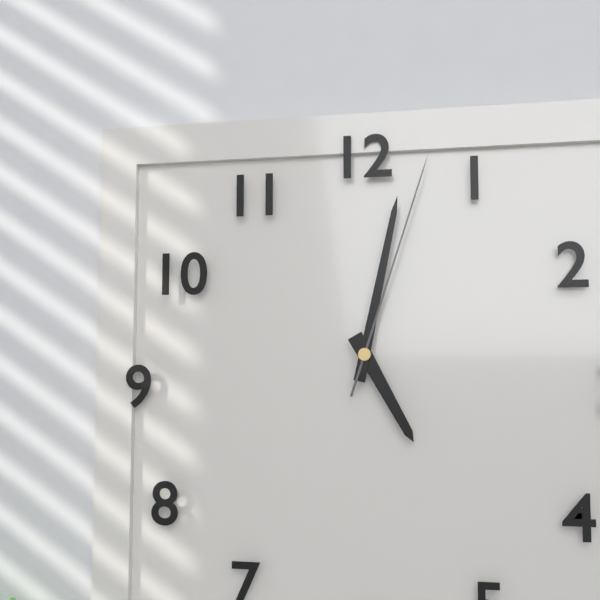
5.02.03
